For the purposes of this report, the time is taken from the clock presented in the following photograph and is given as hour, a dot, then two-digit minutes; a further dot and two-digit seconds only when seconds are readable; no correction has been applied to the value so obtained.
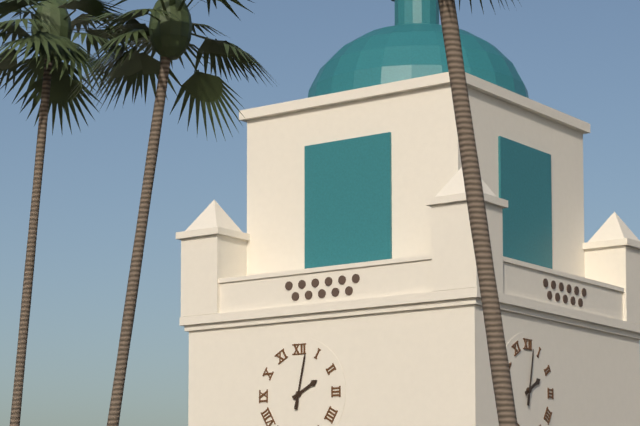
2.02
